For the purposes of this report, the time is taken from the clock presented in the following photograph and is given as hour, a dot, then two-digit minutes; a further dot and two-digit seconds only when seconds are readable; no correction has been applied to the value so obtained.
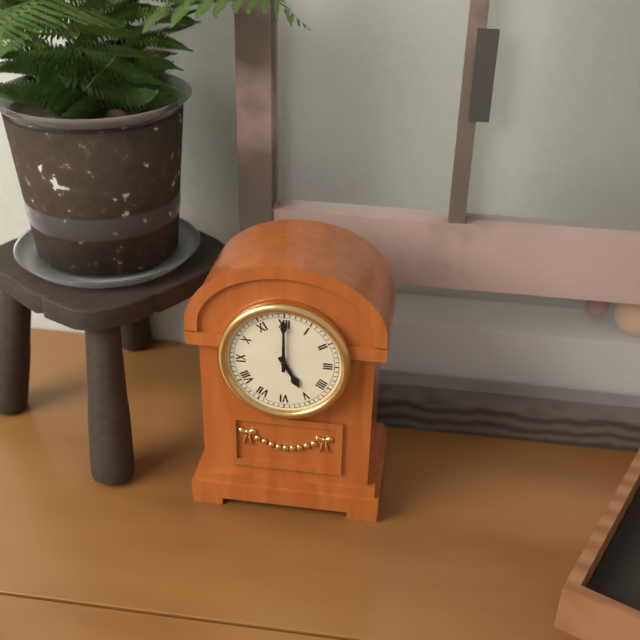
5.00
